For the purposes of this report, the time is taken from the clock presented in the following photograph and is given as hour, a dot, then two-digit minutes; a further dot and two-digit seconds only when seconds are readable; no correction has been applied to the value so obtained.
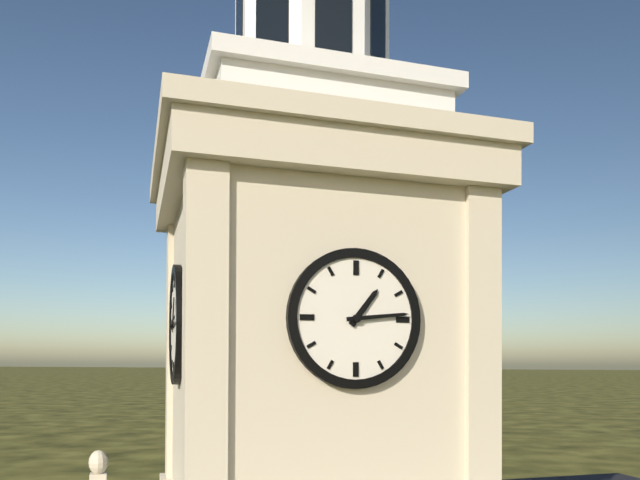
1.14
